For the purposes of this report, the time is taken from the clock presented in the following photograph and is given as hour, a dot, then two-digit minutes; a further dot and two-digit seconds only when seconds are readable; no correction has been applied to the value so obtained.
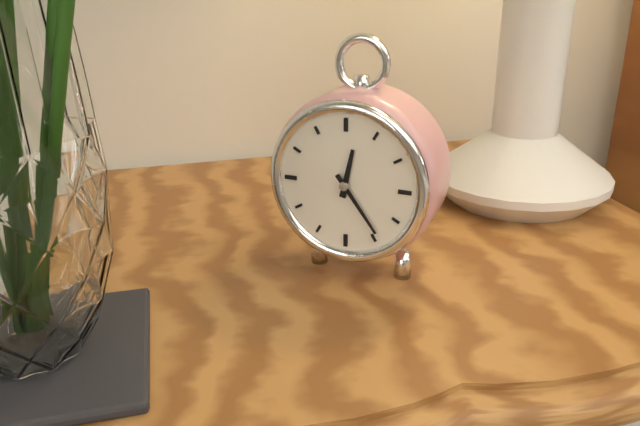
12.24
